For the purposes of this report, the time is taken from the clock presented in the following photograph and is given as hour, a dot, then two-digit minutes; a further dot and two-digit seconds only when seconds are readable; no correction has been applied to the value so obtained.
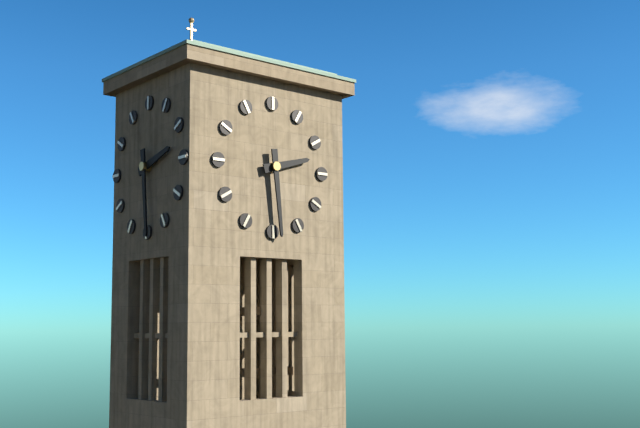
2.29
